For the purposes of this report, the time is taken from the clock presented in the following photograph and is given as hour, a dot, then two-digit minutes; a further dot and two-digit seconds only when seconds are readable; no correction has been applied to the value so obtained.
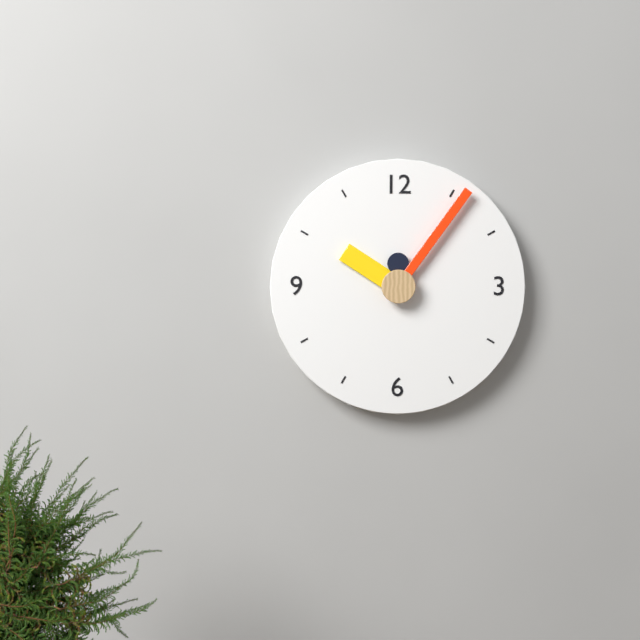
10.06
